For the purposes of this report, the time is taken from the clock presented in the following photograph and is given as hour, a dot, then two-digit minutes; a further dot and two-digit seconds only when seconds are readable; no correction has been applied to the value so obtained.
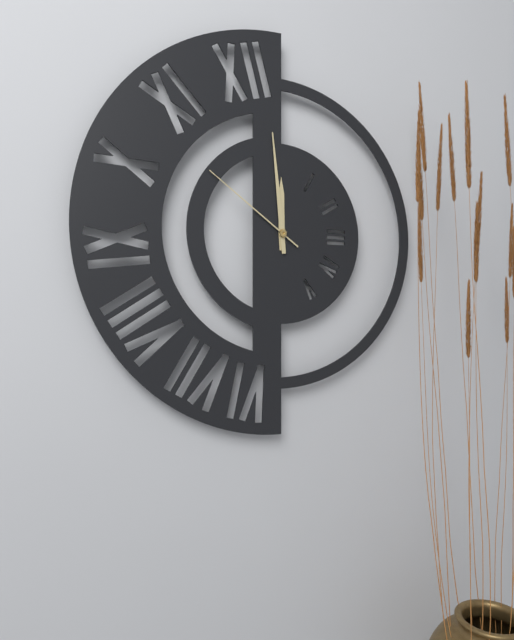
11.59.51
